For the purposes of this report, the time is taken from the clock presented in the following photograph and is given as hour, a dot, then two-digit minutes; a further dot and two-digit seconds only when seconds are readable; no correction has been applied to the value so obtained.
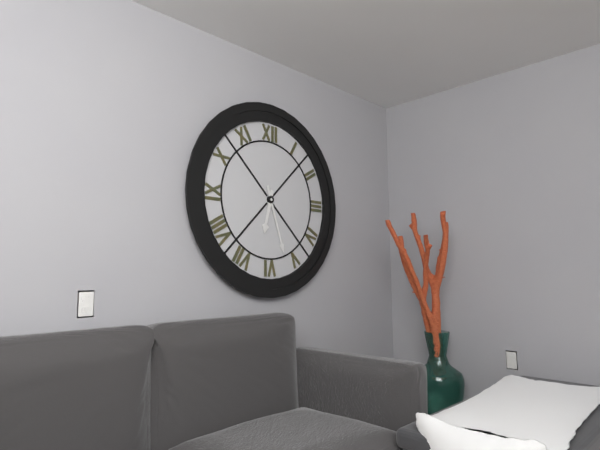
6.27
